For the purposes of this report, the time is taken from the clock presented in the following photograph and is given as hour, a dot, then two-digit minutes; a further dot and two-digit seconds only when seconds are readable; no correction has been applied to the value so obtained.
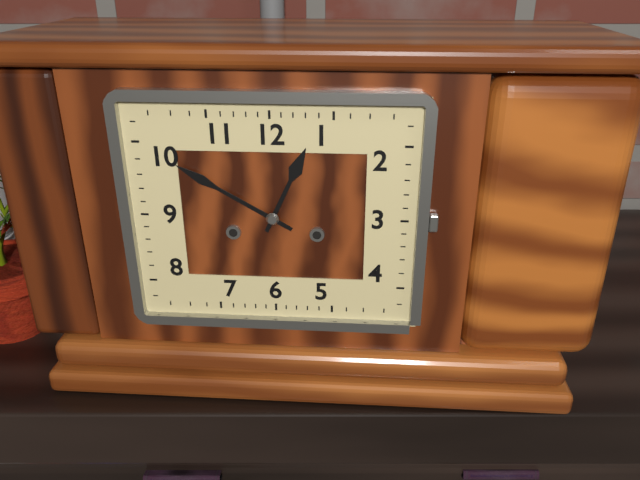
12.50
